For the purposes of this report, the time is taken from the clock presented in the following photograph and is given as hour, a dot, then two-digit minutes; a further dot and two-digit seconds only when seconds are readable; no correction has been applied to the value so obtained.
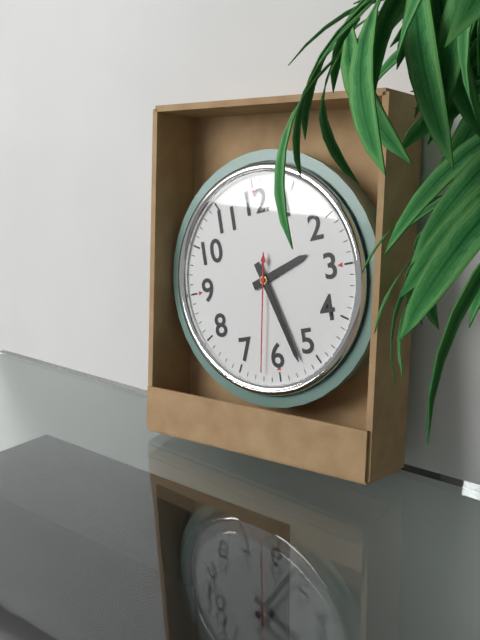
2.27.32
